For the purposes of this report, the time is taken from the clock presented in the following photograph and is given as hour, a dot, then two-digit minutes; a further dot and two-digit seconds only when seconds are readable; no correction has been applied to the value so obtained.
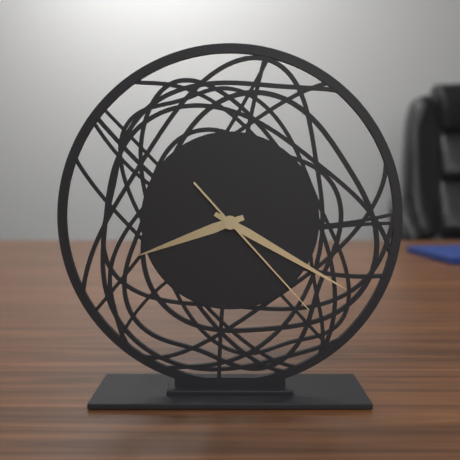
8.20.23
